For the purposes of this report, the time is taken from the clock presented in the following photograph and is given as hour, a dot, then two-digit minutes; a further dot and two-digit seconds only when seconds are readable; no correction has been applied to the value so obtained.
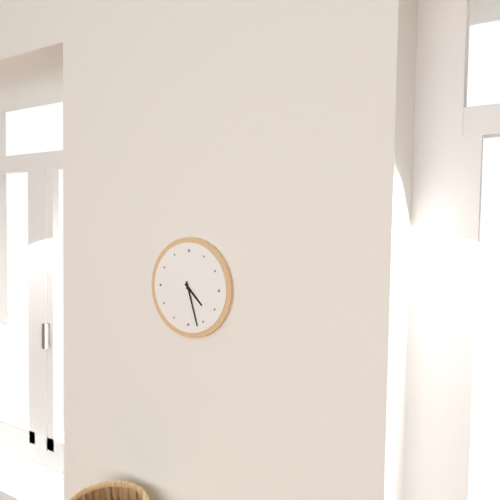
4.27
